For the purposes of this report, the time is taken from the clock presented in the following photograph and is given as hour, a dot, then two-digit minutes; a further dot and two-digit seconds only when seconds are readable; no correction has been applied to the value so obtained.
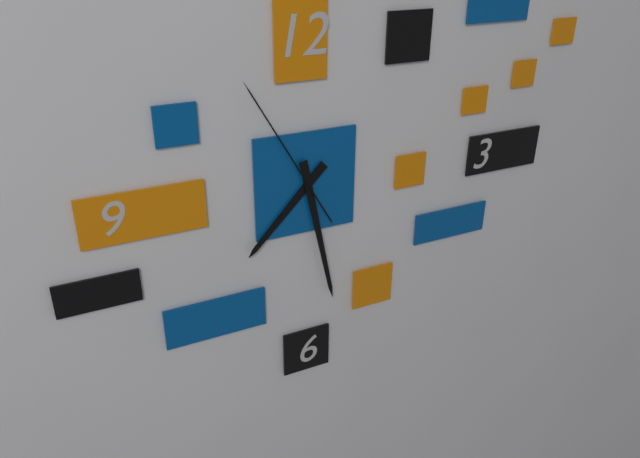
7.28.55
